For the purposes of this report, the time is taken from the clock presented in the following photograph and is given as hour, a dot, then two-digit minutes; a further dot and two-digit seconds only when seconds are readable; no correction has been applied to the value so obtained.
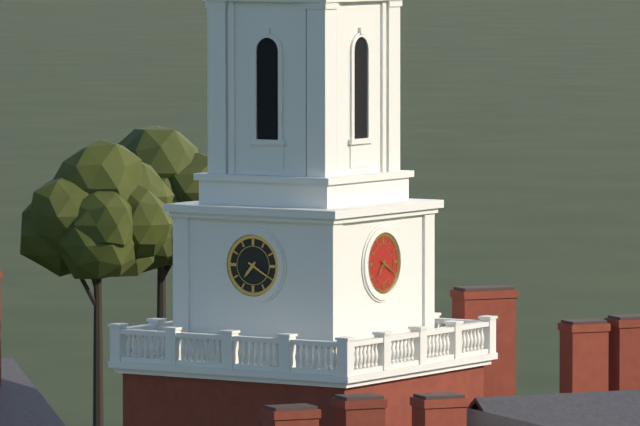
7.20
